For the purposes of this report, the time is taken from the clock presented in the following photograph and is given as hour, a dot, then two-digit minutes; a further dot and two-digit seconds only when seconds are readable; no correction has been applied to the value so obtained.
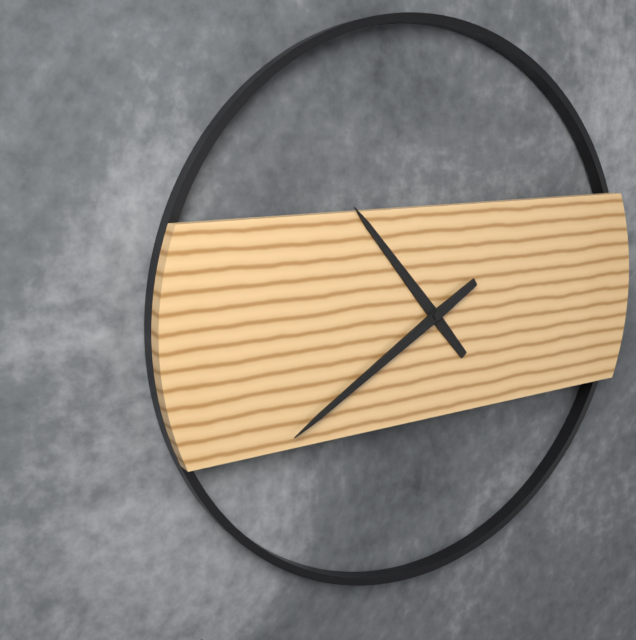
10.40
